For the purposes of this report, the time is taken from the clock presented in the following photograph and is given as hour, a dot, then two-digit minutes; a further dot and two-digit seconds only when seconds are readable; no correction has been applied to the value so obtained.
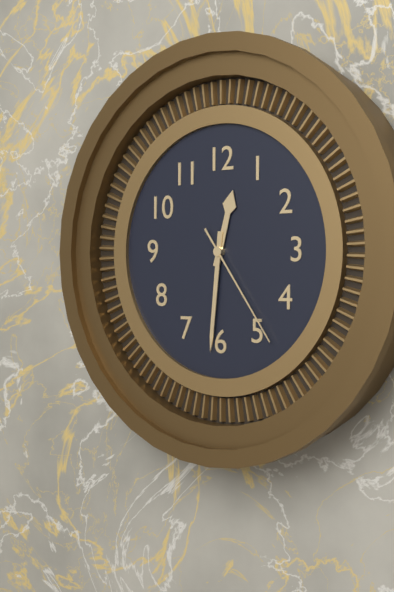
12.31.24
